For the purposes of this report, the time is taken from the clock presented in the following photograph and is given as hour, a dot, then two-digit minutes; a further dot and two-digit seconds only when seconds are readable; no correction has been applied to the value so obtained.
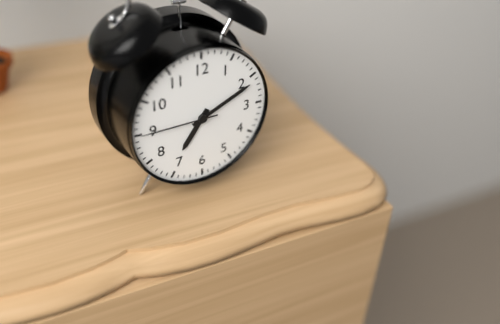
7.11.45
